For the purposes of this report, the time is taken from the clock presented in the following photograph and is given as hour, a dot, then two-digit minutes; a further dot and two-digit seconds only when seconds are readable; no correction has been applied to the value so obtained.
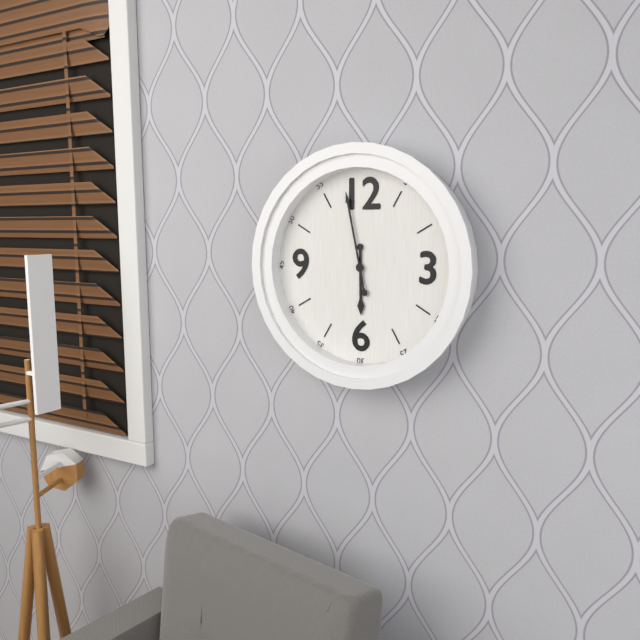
5.58
